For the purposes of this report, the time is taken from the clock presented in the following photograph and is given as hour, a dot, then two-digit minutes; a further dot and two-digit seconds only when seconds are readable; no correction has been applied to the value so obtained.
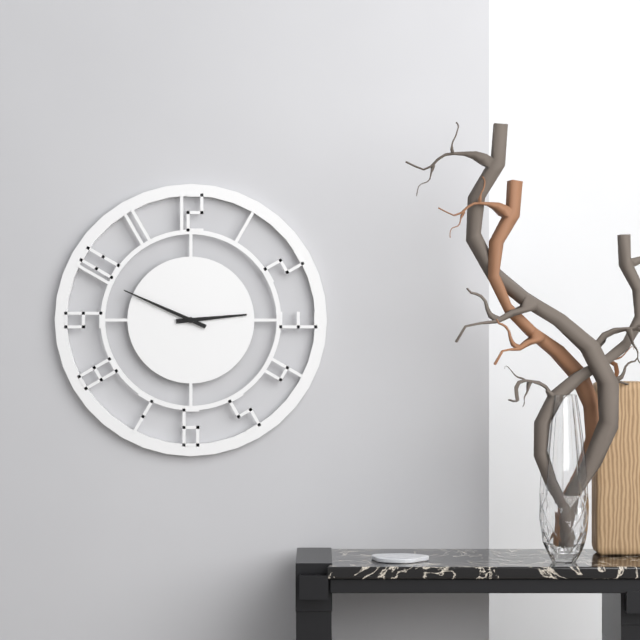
2.49
